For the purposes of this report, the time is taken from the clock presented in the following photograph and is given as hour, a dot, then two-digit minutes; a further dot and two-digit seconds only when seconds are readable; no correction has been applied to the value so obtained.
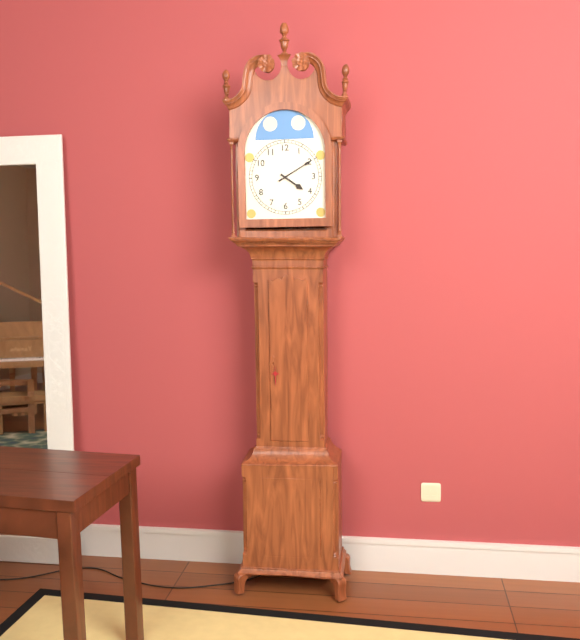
4.10
